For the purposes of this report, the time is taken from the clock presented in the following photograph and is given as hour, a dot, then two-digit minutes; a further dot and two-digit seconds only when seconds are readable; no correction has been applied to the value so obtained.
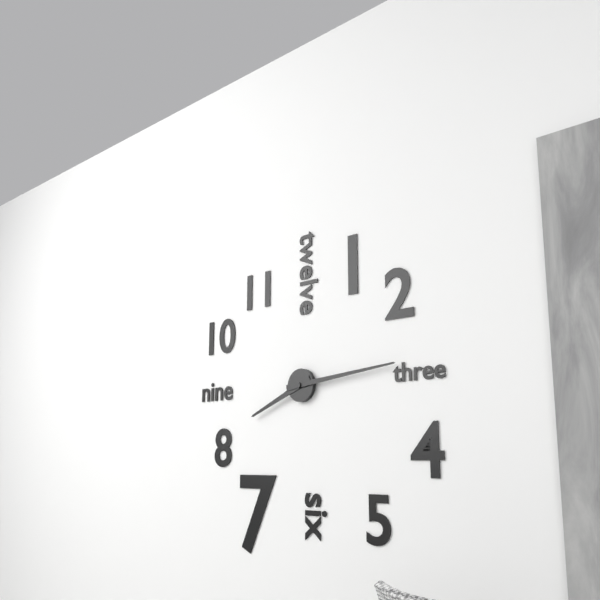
8.14
